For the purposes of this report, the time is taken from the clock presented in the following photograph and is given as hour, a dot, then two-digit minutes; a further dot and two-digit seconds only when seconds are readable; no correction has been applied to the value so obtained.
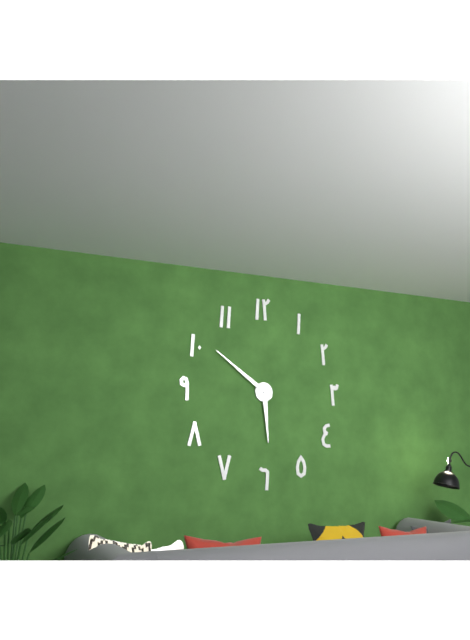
5.51
